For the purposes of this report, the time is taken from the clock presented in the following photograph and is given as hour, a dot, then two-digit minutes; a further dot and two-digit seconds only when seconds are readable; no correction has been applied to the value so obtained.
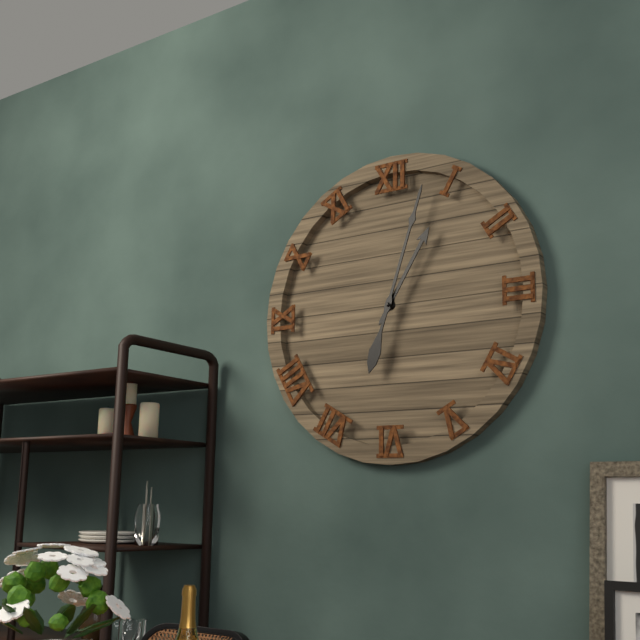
1.03
